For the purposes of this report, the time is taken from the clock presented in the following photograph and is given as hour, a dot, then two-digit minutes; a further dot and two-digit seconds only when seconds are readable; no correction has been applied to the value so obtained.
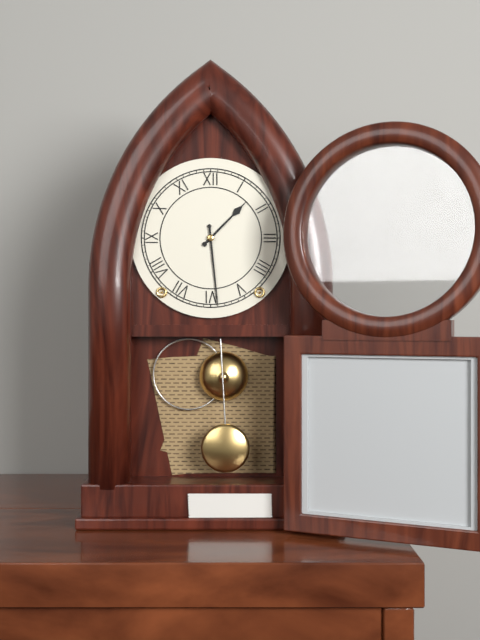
1.29
